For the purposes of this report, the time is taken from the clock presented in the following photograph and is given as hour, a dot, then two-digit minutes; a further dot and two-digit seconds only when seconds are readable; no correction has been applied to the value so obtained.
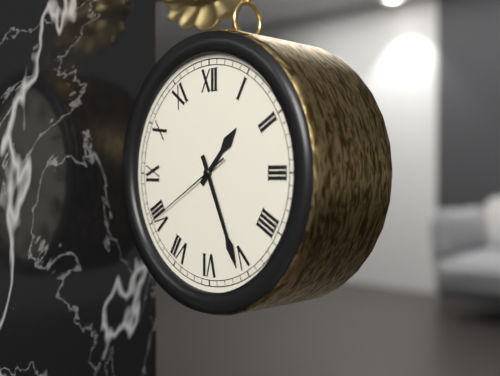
1.26.40
